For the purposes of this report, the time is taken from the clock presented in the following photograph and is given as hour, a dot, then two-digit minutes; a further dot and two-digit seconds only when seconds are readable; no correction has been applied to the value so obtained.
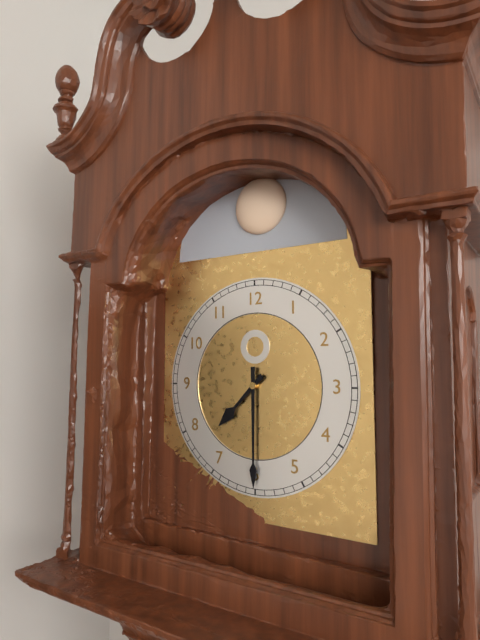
7.30
